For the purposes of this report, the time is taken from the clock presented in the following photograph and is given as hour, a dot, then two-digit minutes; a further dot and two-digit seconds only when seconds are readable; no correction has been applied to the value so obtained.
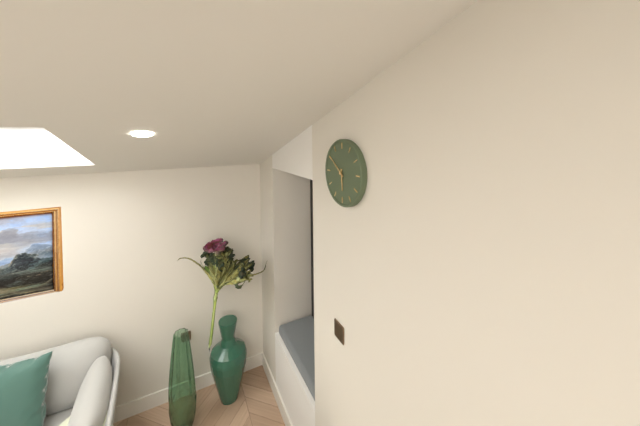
5.51
